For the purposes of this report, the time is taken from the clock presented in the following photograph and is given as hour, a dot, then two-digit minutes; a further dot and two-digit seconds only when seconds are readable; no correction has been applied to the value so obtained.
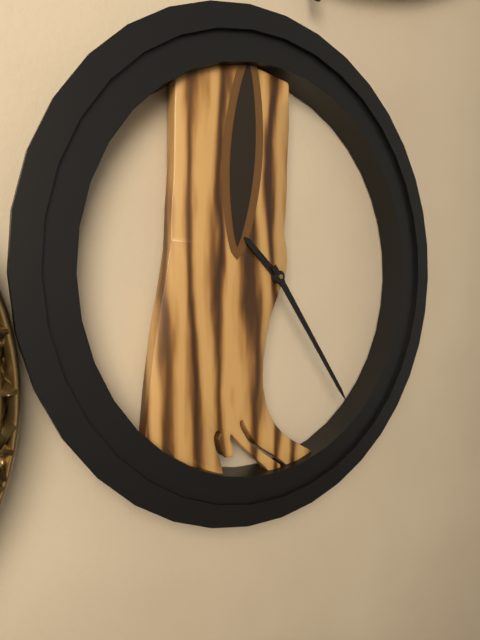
10.24
